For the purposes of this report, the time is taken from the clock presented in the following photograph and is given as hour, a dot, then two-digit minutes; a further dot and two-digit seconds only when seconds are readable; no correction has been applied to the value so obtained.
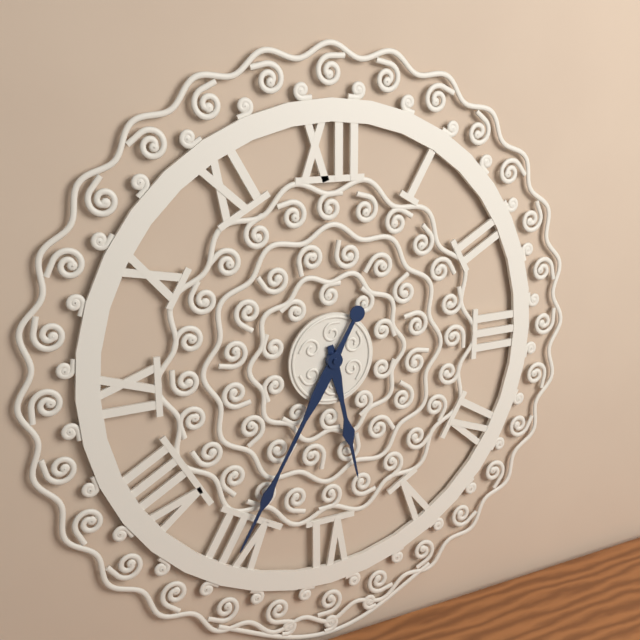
5.35
